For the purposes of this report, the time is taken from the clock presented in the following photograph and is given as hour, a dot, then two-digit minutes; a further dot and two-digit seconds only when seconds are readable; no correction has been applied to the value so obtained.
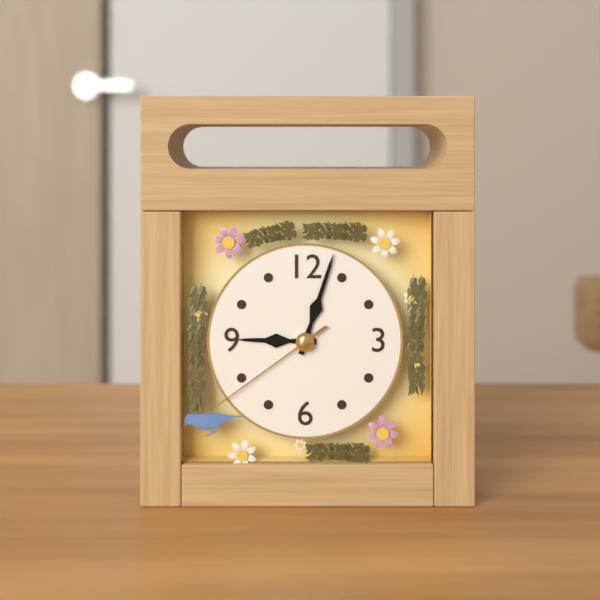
9.03.39
